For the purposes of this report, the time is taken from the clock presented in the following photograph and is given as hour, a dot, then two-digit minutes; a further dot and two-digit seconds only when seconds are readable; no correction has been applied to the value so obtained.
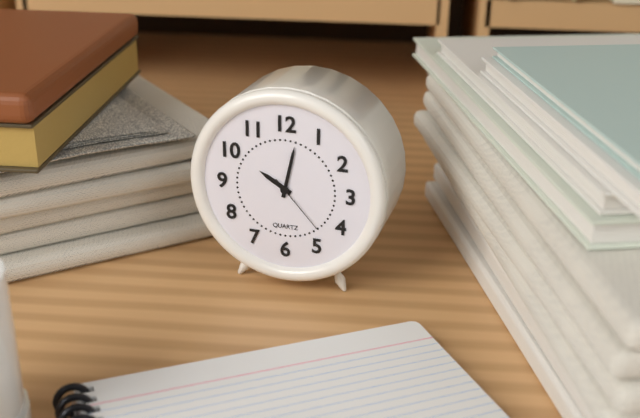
10.02.23
